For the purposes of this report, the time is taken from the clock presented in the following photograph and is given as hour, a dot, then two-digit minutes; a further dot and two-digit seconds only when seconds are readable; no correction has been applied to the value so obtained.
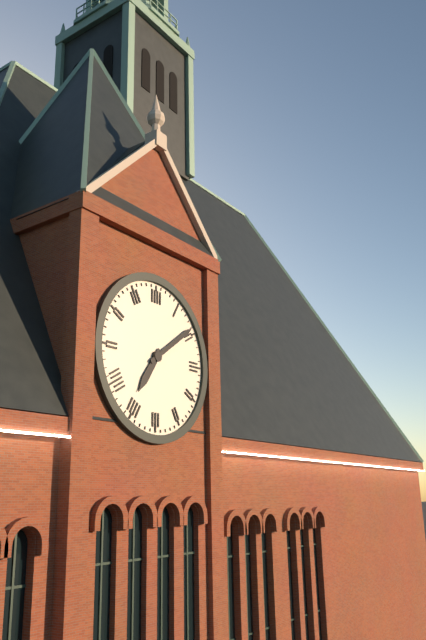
7.09
